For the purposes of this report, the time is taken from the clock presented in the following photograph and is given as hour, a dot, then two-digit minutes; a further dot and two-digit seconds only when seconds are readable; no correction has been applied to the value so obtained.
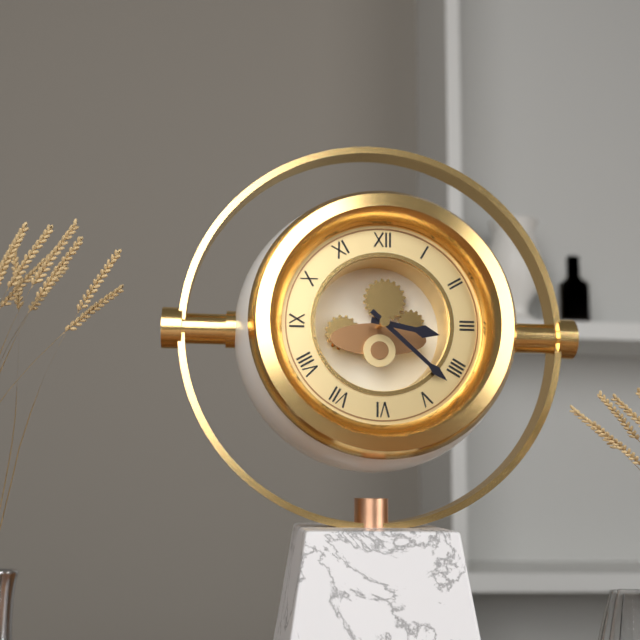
3.22
